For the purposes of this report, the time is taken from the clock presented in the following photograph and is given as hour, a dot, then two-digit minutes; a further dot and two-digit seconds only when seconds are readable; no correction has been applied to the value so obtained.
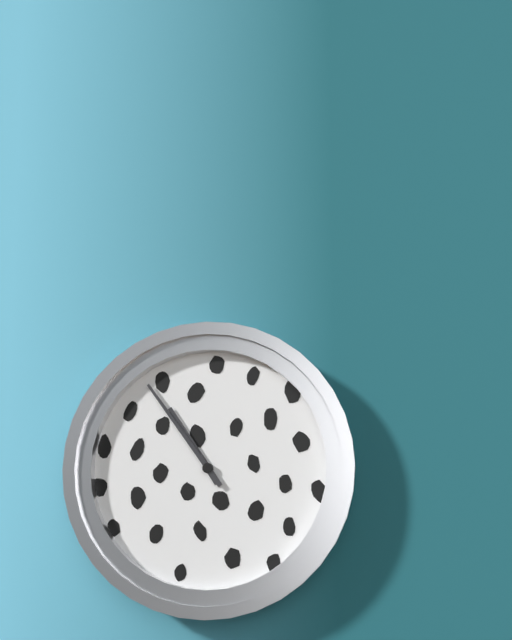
10.54
